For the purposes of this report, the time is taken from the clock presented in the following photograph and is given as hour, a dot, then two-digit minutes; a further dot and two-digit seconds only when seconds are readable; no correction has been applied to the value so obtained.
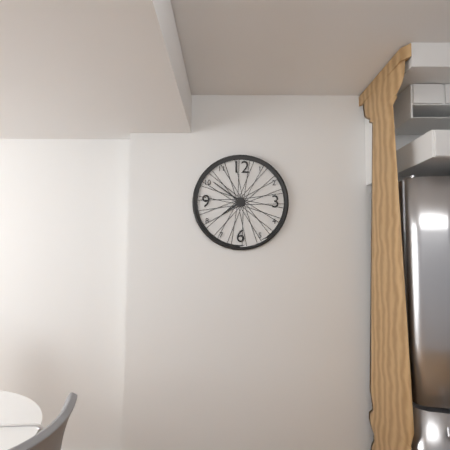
7.51
